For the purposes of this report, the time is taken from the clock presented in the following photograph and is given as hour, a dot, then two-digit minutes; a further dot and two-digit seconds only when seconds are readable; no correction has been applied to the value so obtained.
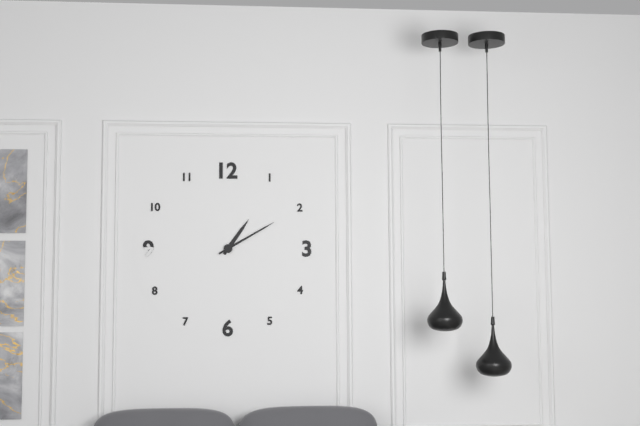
1.10
